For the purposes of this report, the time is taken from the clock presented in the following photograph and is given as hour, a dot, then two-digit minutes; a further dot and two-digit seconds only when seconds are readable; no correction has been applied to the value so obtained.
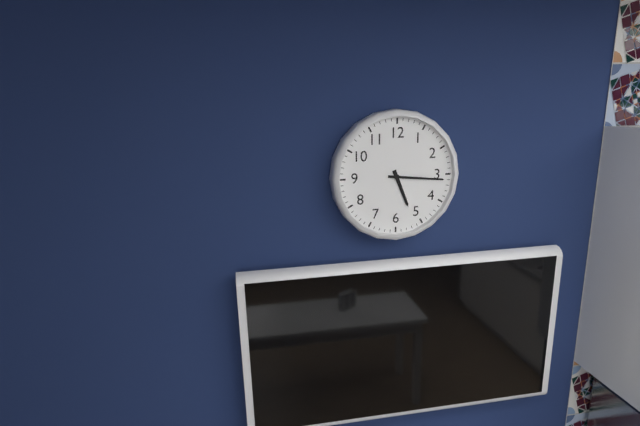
5.16
